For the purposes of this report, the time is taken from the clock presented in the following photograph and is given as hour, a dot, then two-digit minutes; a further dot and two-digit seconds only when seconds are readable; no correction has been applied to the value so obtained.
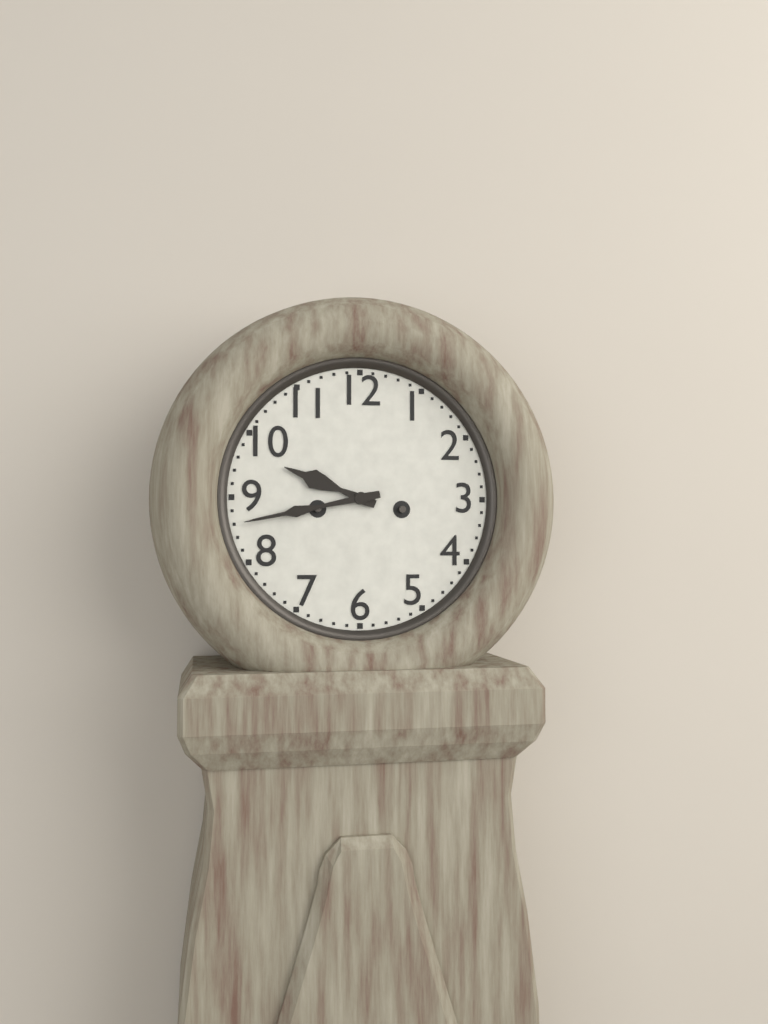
9.43
